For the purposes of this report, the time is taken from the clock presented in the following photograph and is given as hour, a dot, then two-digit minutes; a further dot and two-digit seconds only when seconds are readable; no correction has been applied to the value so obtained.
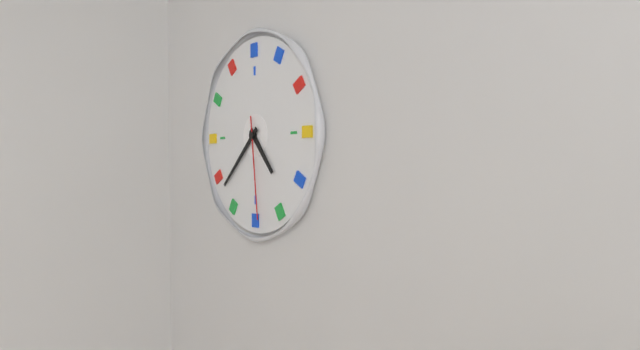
4.38.29
